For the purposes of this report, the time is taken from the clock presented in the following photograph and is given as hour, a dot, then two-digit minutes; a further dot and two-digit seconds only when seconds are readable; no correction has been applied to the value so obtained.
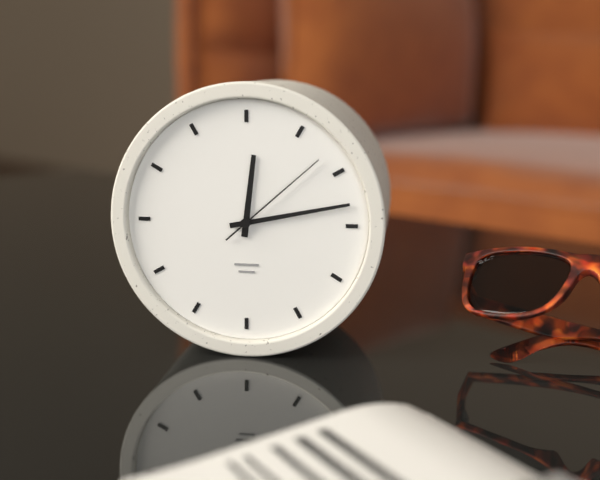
12.13.08
